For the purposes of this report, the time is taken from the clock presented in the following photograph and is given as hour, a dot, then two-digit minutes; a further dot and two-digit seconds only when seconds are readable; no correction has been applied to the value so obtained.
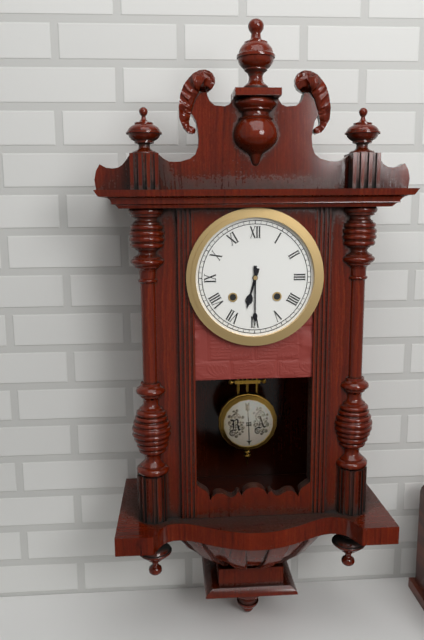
6.30
